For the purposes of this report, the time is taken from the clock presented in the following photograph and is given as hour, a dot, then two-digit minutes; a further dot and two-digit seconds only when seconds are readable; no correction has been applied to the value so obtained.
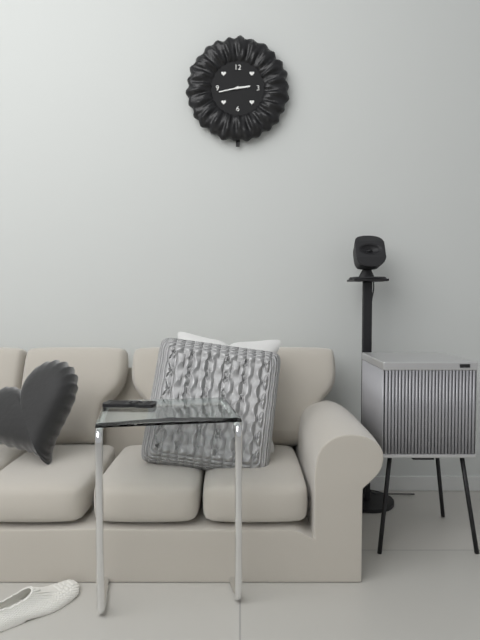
2.43
